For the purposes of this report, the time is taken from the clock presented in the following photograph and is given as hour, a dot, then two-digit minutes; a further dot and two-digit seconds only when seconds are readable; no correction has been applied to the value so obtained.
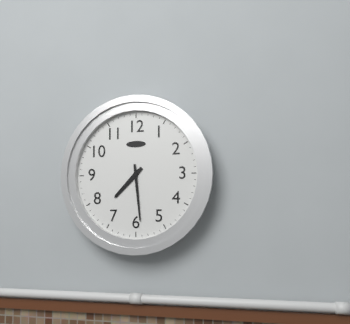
7.29
